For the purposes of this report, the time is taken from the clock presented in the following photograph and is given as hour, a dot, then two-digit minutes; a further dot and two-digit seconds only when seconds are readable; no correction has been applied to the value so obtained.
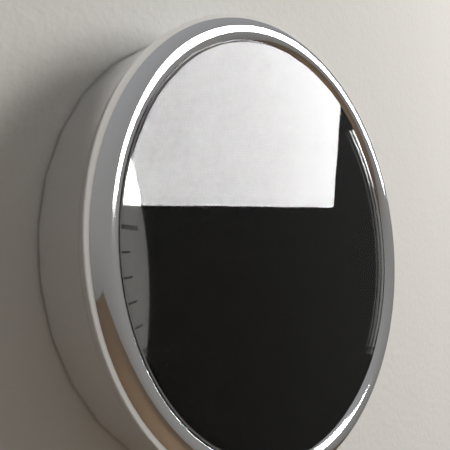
12.59
